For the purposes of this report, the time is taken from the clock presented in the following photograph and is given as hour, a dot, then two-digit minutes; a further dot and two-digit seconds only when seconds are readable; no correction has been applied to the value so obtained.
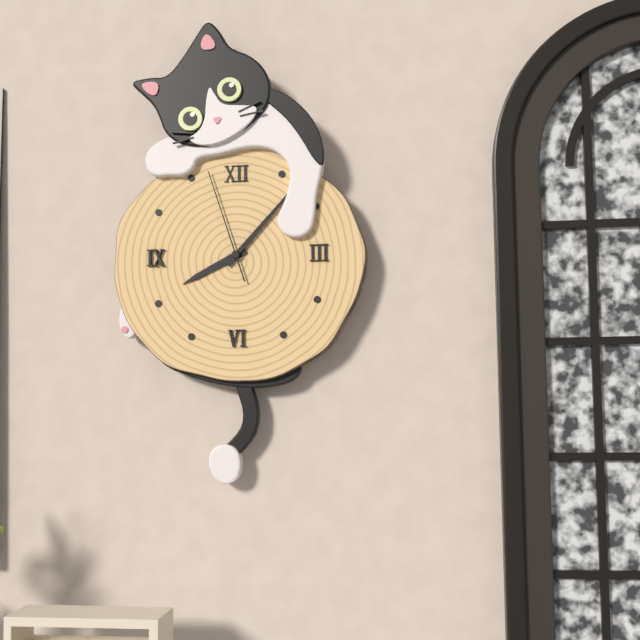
8.07.57
